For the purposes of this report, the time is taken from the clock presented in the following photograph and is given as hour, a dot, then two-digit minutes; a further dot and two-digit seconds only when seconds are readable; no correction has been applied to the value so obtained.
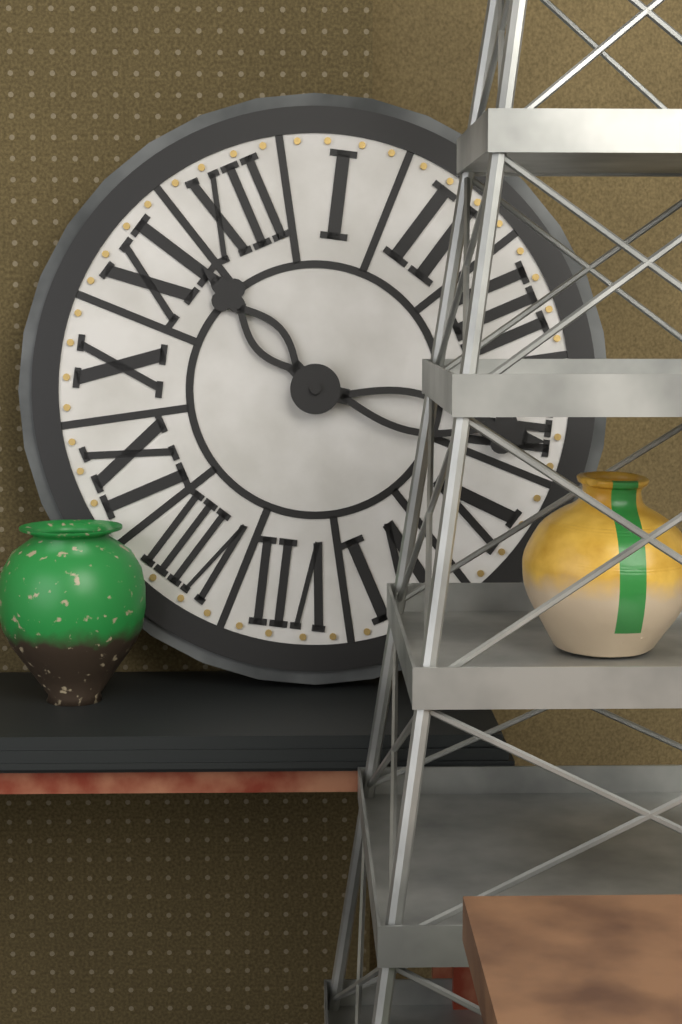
11.21
